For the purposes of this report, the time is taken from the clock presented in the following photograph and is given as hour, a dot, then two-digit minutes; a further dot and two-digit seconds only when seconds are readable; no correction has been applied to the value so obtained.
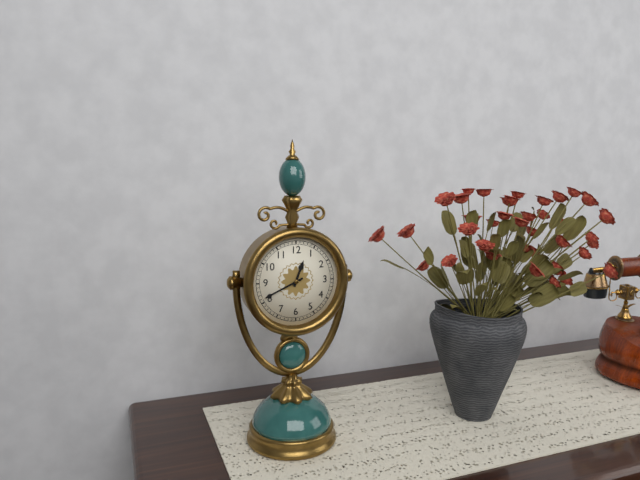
12.41
